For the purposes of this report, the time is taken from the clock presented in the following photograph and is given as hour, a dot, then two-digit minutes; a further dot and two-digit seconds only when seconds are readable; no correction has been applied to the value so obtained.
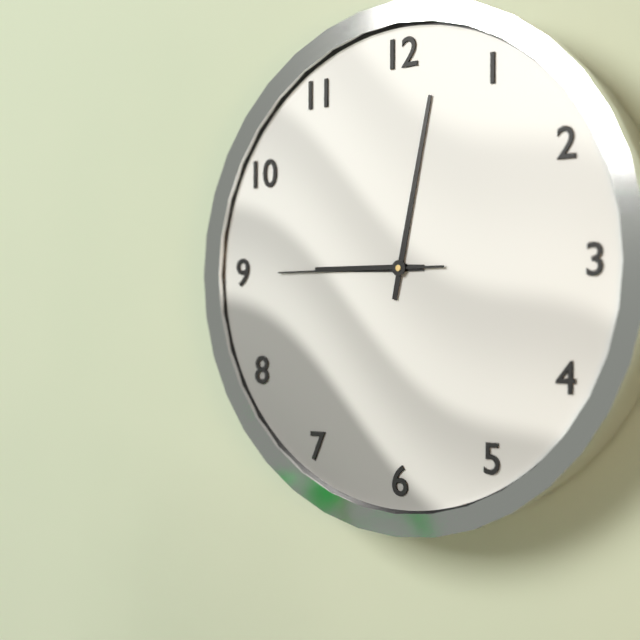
9.02.45
